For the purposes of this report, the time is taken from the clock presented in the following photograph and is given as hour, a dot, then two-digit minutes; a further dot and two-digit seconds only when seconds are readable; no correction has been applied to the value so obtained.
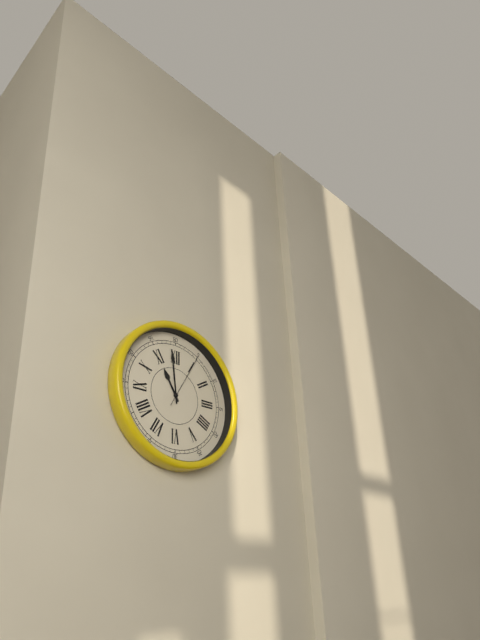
10.59.05
